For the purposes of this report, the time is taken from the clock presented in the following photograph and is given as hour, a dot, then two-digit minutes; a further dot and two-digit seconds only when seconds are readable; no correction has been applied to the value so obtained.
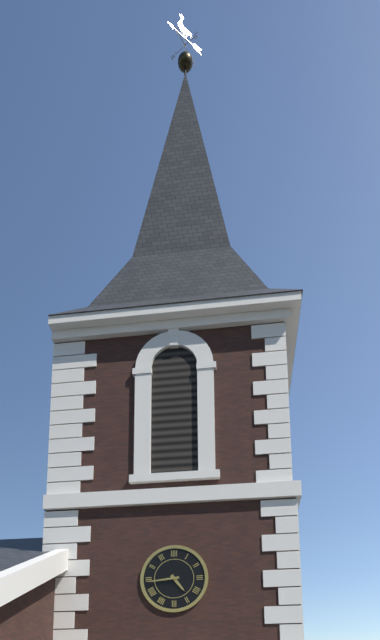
4.44
